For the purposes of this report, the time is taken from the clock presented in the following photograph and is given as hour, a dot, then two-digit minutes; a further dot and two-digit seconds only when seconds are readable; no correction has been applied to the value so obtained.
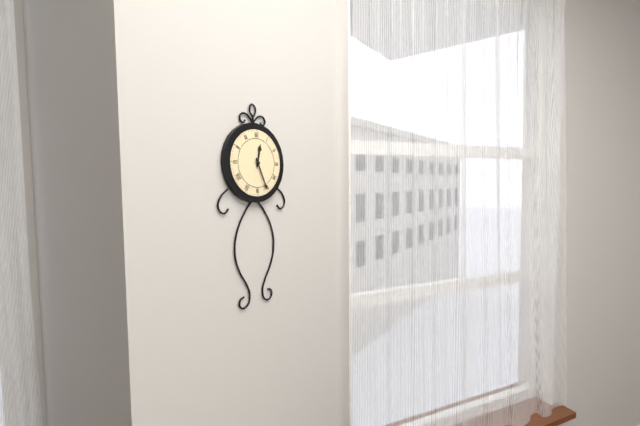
12.26
